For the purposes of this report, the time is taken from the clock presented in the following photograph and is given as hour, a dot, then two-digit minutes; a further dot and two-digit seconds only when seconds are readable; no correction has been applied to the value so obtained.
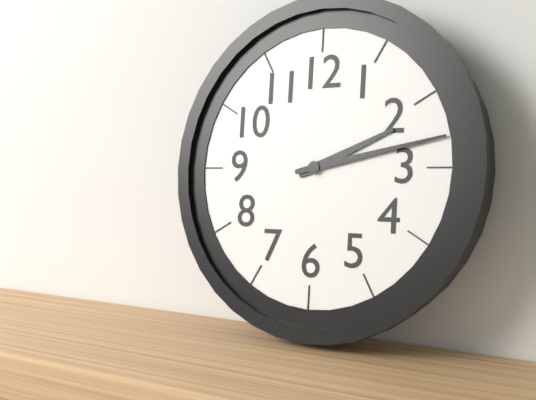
2.13
